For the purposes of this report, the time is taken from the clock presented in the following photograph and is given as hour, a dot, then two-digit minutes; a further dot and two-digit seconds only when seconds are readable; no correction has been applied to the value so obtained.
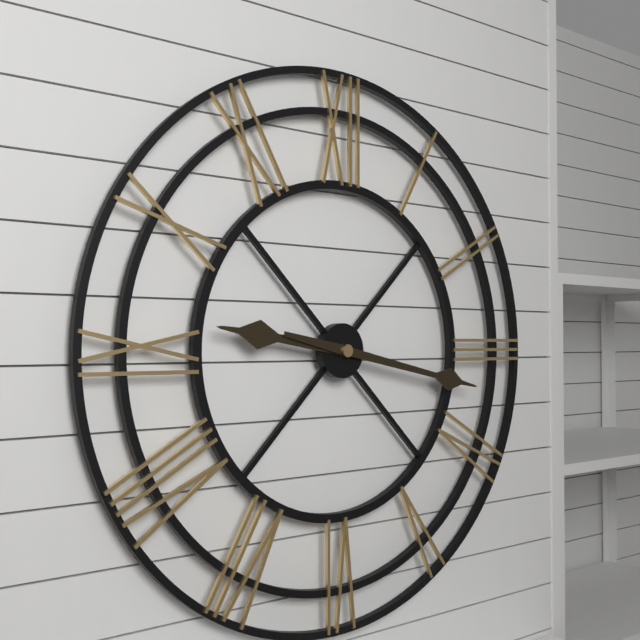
9.17
